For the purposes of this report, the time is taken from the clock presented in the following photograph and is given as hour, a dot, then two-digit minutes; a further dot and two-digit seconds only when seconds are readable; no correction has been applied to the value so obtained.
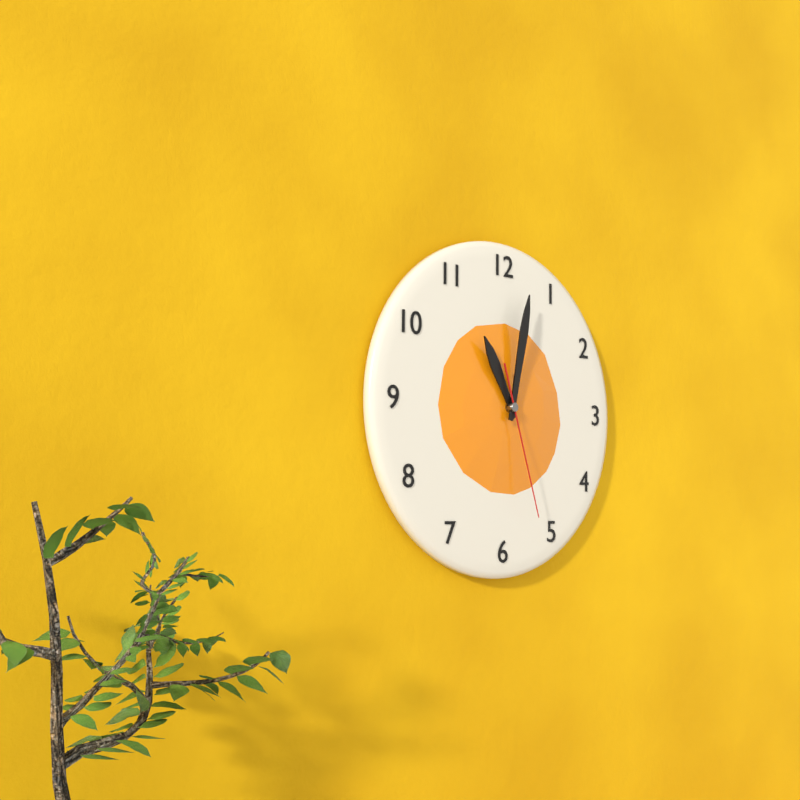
11.02.27
